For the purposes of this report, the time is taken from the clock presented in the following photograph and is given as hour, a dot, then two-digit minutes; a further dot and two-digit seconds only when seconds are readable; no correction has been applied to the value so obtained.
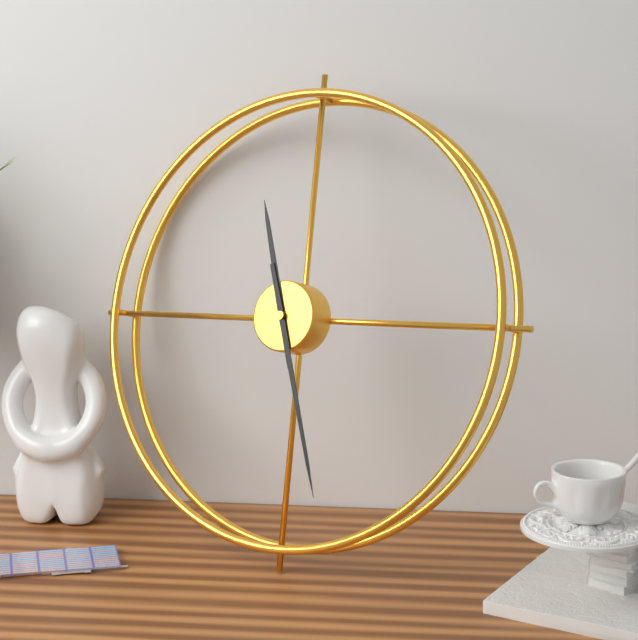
11.27
